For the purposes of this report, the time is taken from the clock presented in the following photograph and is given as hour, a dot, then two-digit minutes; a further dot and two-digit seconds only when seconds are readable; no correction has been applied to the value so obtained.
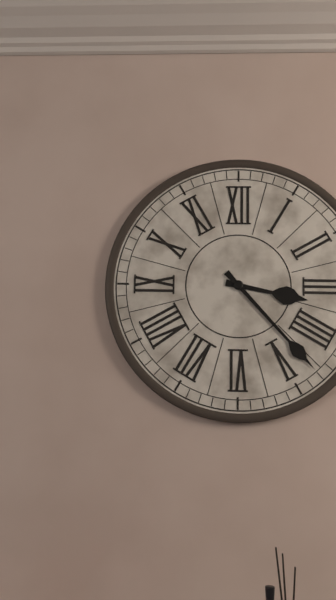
3.23
